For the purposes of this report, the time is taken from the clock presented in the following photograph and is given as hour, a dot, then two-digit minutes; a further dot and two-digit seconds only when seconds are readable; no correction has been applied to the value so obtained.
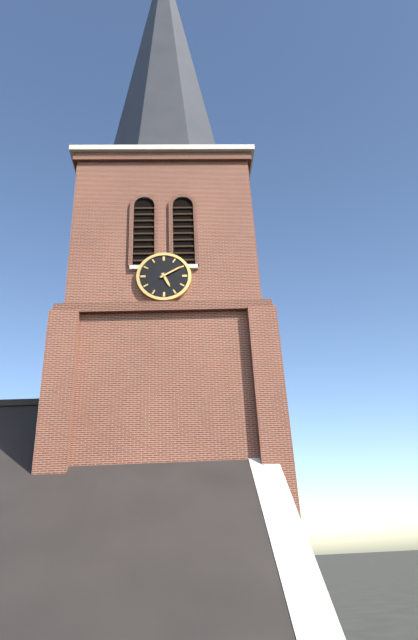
5.10
